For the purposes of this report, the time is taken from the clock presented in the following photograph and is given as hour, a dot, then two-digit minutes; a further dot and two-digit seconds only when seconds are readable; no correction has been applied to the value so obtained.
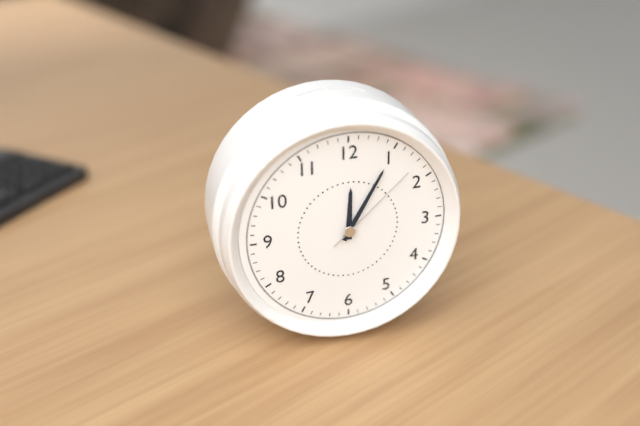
12.05.08
